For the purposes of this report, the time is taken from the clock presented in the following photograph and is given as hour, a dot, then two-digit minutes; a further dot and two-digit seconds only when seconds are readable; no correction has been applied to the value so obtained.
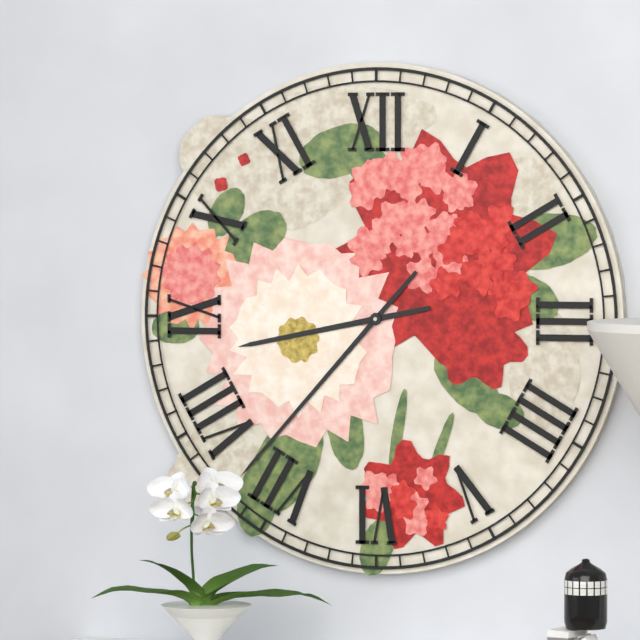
8.37
